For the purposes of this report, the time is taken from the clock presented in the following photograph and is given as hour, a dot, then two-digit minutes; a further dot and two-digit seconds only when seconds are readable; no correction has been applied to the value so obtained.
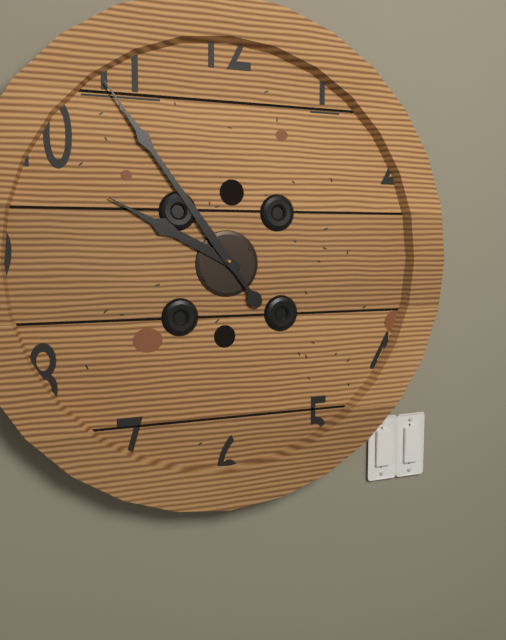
9.54
